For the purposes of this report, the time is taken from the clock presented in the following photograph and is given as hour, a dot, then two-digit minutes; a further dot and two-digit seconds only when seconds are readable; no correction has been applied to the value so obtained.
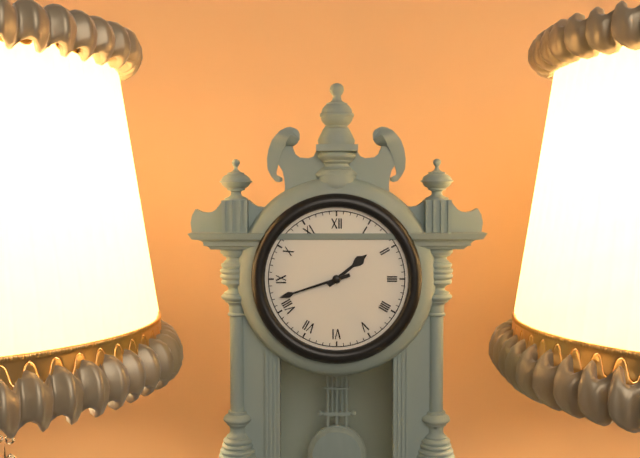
1.42
